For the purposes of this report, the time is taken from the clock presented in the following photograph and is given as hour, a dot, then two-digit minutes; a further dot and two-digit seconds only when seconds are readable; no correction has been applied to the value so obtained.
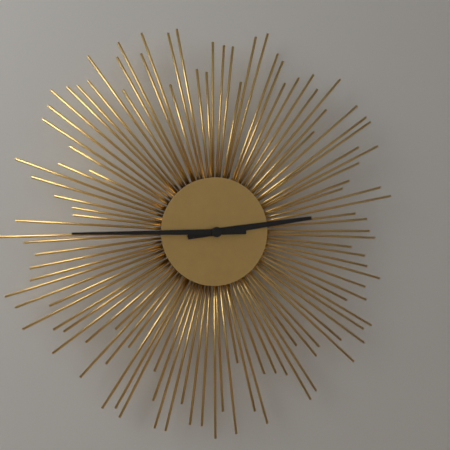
2.45
